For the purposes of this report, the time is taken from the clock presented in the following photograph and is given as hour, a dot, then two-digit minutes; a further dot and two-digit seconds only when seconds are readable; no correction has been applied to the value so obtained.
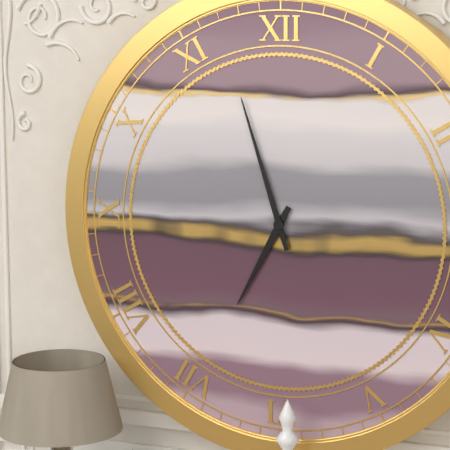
6.57
